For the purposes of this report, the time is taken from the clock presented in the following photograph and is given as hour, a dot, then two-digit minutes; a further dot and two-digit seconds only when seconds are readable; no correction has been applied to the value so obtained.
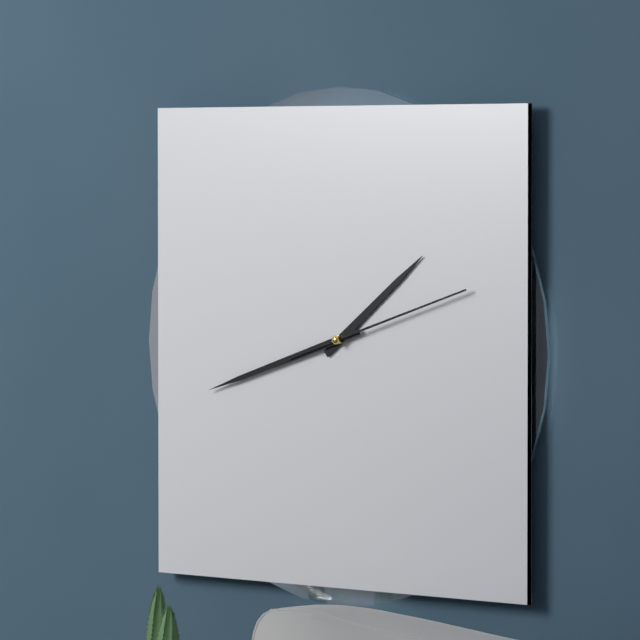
1.42.12
